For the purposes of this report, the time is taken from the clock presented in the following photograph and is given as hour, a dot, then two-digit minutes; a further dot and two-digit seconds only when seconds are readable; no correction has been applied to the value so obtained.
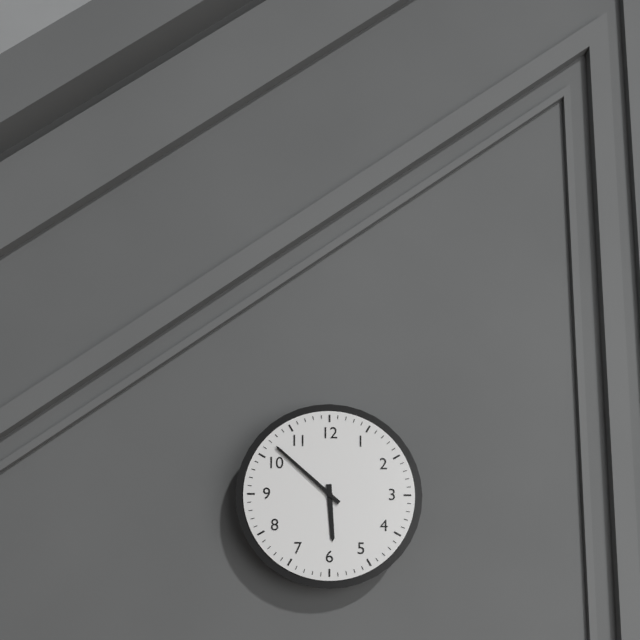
5.52
